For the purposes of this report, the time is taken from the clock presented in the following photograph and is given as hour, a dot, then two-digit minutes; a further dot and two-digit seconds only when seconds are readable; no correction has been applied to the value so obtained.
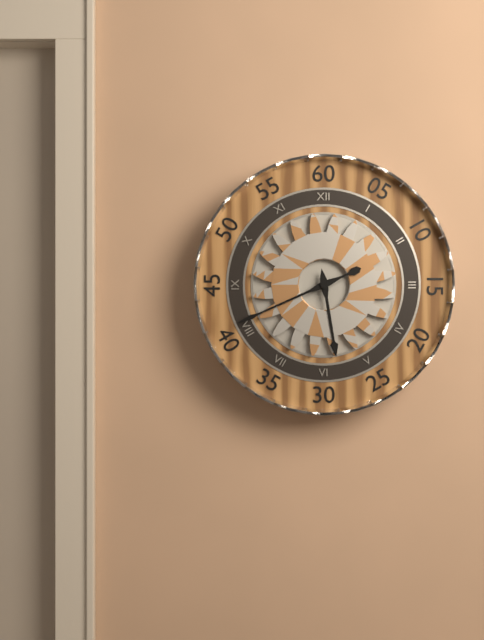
5.41
